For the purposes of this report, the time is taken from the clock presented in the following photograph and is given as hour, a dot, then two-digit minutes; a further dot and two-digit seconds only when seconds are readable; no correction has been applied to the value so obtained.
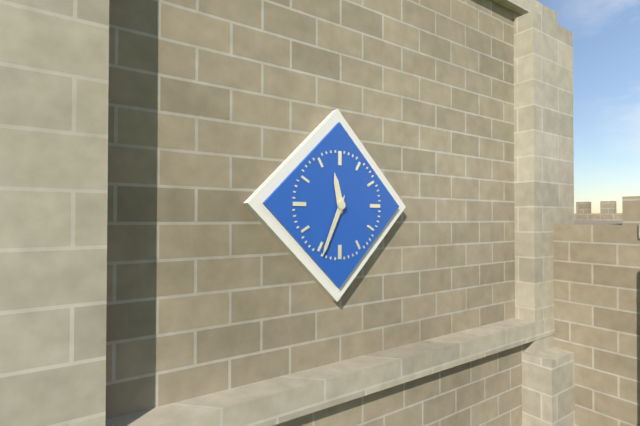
11.34
